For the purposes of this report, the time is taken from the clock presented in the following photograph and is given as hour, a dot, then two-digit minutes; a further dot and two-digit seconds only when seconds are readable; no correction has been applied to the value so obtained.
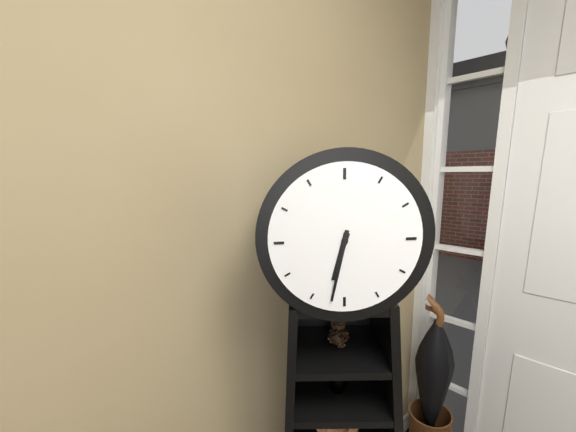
6.32
